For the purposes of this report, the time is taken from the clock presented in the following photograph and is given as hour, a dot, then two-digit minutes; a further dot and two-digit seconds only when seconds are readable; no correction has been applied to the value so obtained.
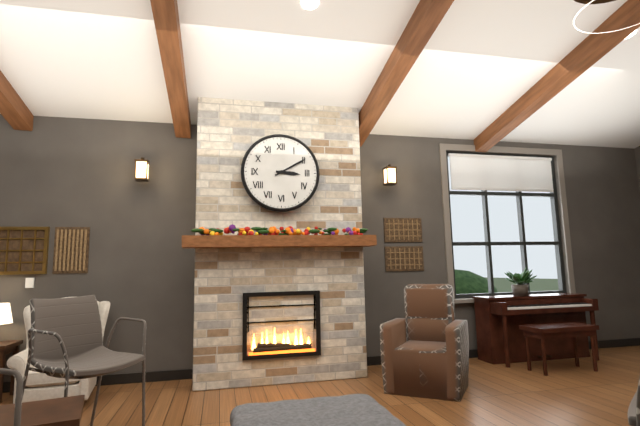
3.10
